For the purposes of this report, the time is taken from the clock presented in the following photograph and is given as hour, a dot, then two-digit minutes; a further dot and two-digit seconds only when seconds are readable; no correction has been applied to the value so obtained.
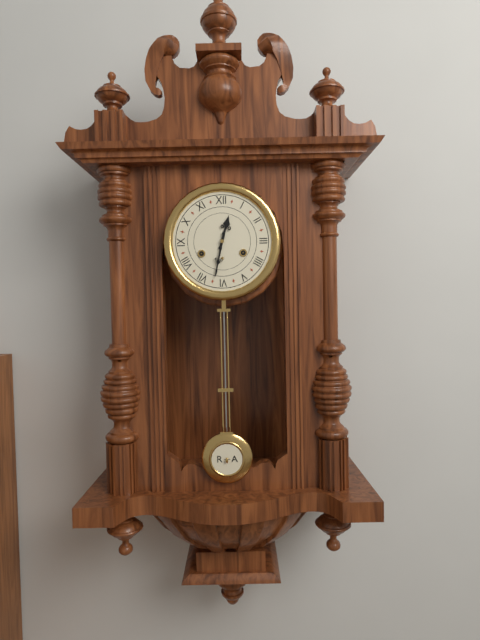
12.32
